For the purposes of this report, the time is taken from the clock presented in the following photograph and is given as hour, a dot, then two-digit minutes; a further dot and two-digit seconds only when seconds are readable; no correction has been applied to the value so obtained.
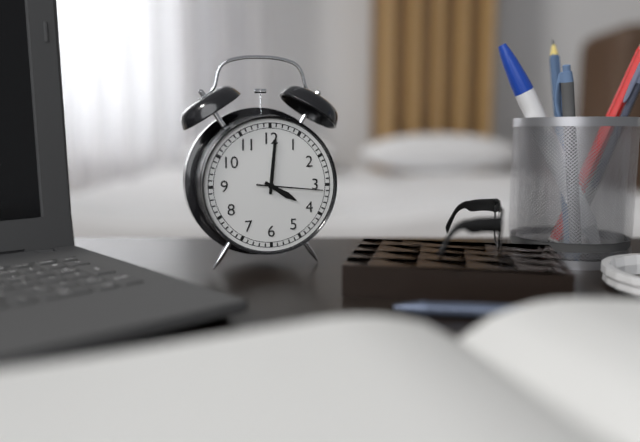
4.01.16
